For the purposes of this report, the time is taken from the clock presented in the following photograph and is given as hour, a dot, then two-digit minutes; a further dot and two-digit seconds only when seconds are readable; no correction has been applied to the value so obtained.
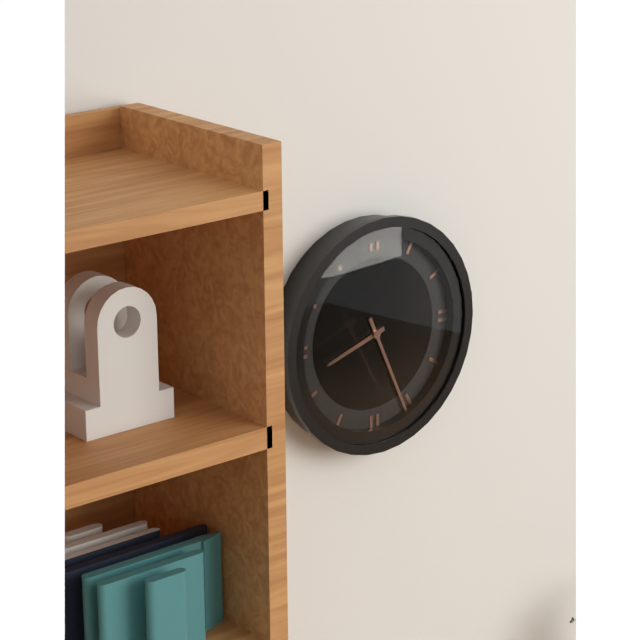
8.26
